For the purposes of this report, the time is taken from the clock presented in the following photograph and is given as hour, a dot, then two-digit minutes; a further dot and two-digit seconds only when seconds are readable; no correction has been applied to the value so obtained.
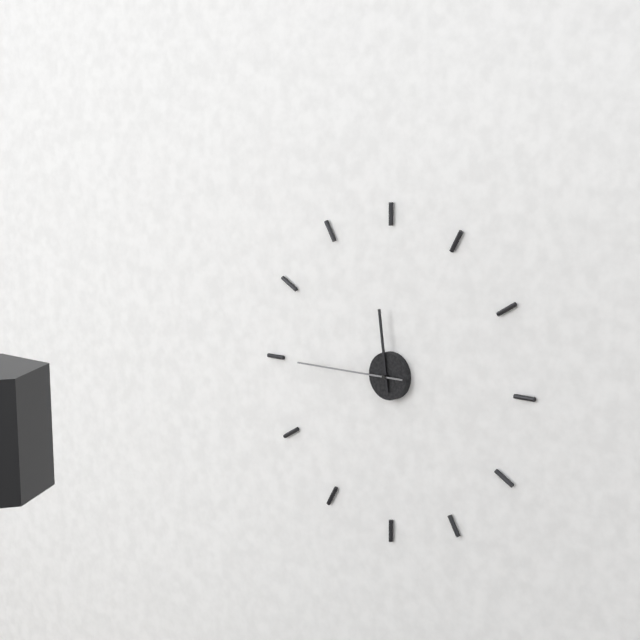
11.45
